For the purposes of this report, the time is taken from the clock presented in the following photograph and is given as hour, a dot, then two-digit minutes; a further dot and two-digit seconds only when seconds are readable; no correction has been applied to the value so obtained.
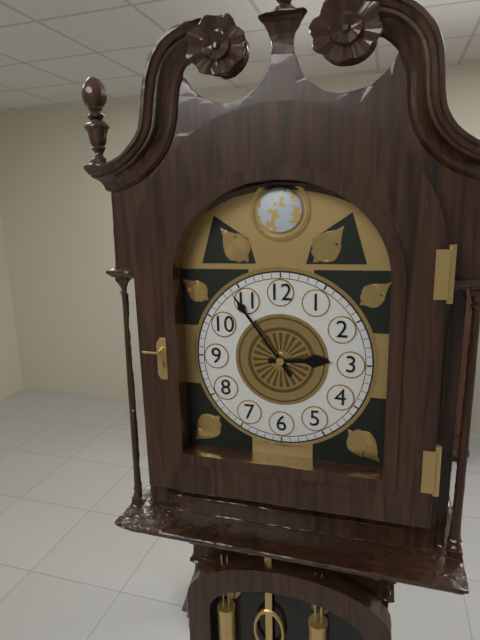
2.54
